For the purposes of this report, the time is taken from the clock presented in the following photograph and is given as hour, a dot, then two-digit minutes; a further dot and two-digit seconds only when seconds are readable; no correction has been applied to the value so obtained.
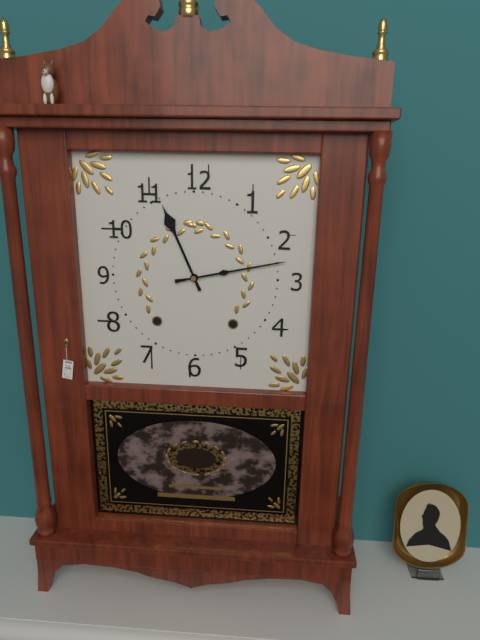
11.13
